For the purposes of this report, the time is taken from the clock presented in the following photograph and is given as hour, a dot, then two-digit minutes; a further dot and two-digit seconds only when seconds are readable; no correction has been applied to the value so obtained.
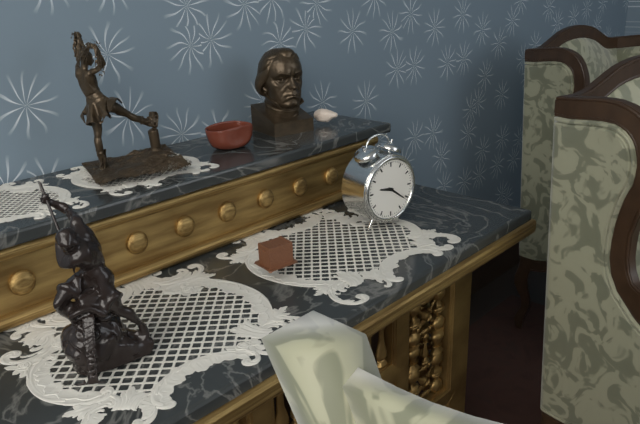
9.21
